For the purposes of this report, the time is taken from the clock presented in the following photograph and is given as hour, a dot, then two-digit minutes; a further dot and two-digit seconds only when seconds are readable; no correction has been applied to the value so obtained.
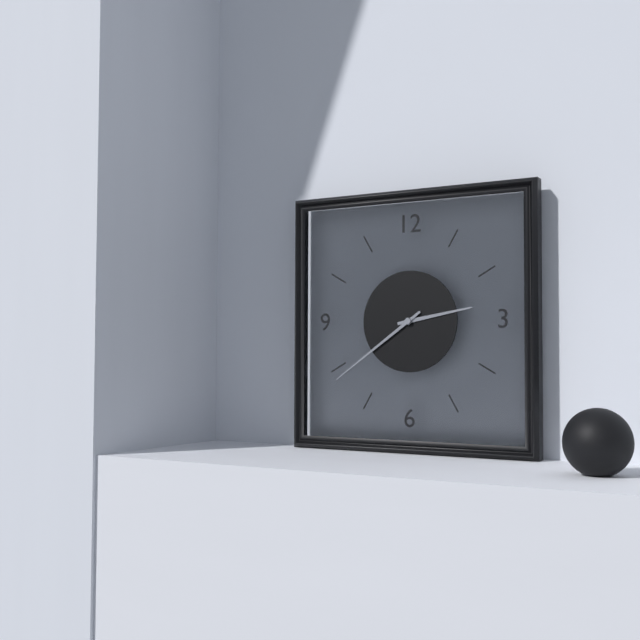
2.39
